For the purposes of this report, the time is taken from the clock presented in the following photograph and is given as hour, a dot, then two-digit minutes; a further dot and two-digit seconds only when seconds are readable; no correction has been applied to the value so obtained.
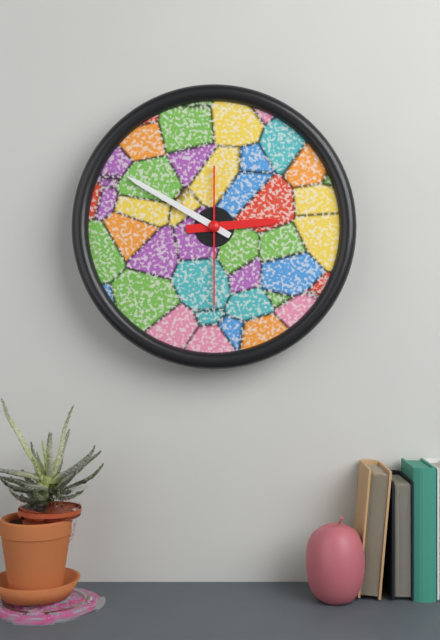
2.50.30
